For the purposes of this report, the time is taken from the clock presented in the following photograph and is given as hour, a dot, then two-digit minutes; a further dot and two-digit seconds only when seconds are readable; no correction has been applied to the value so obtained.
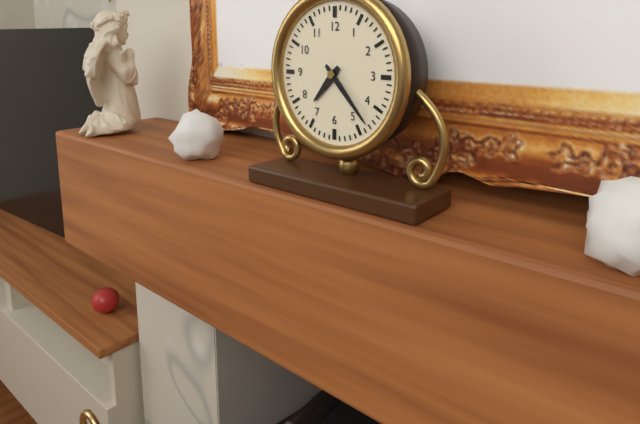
7.23
